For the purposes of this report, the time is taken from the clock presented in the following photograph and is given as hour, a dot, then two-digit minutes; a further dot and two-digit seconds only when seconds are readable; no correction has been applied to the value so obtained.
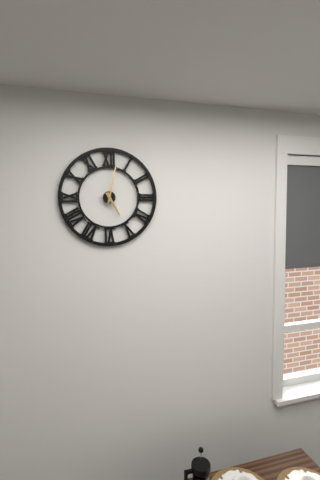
5.02
